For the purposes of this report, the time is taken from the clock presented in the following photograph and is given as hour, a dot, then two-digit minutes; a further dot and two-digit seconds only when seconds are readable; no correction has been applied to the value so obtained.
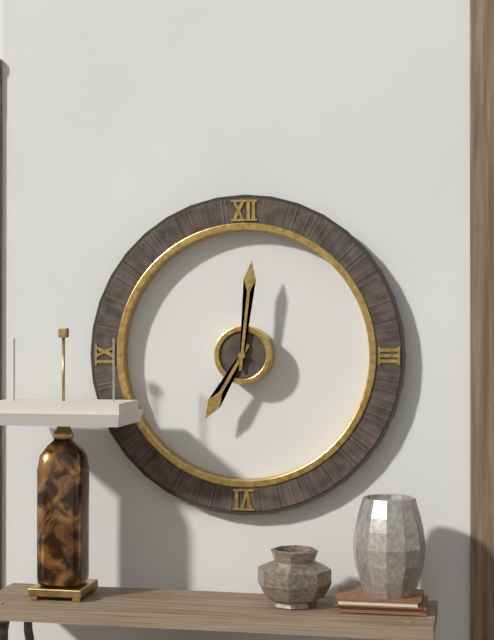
7.01
